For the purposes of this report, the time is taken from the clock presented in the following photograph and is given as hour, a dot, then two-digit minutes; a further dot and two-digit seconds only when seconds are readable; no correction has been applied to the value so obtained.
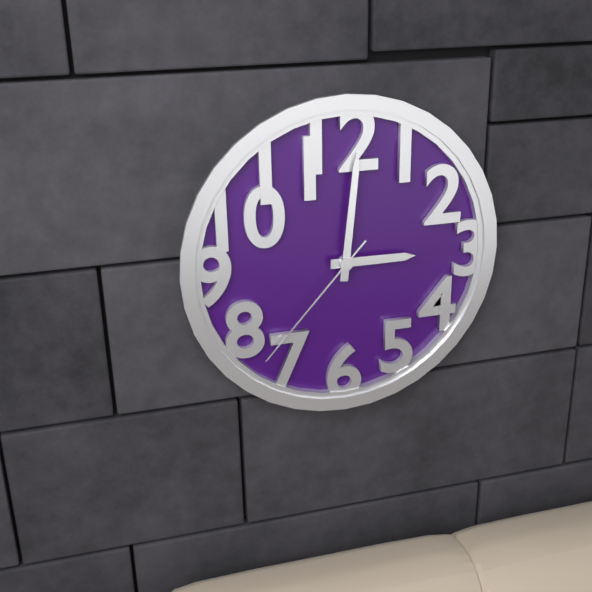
3.01.37
